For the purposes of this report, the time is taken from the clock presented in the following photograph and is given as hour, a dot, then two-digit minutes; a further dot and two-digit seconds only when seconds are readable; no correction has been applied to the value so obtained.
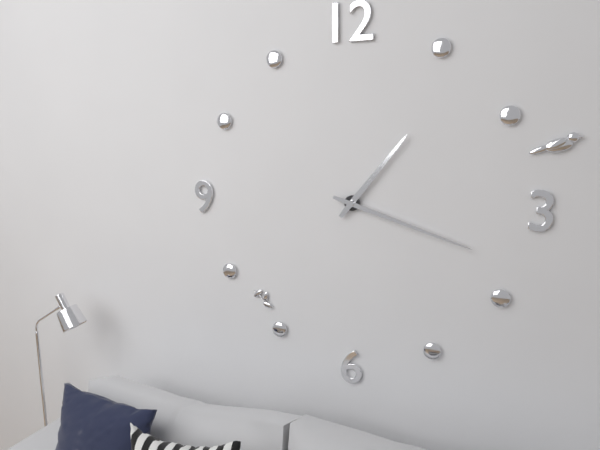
1.18
